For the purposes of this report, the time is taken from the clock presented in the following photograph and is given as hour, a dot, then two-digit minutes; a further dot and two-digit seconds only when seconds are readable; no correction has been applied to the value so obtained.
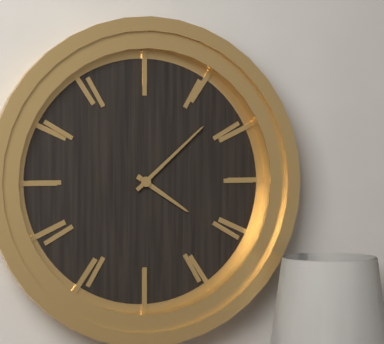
4.08
